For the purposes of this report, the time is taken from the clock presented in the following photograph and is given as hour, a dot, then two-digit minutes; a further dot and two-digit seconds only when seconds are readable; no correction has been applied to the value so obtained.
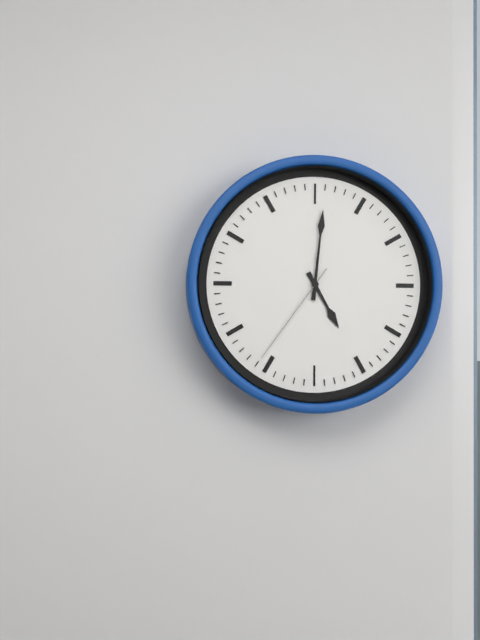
5.01.36
